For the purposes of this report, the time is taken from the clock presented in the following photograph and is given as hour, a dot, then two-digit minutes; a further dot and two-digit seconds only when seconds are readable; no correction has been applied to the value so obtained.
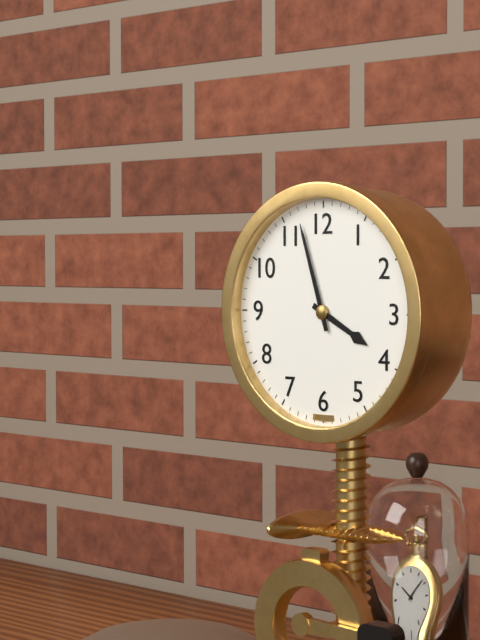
3.57
